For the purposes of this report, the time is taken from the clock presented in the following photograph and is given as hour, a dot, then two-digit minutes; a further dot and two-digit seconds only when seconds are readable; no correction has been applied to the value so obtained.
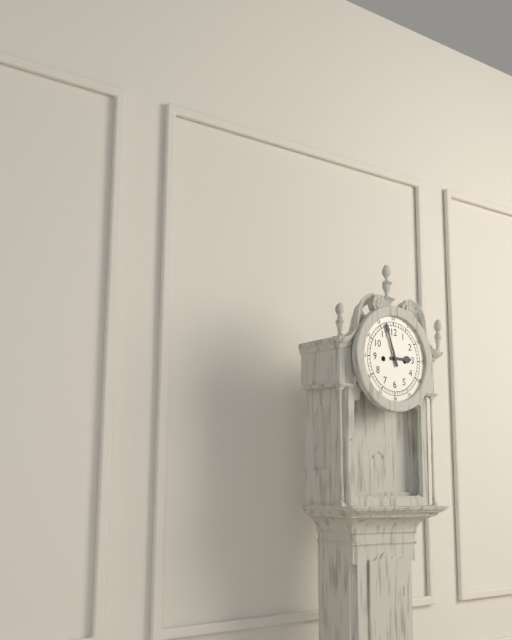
2.57
